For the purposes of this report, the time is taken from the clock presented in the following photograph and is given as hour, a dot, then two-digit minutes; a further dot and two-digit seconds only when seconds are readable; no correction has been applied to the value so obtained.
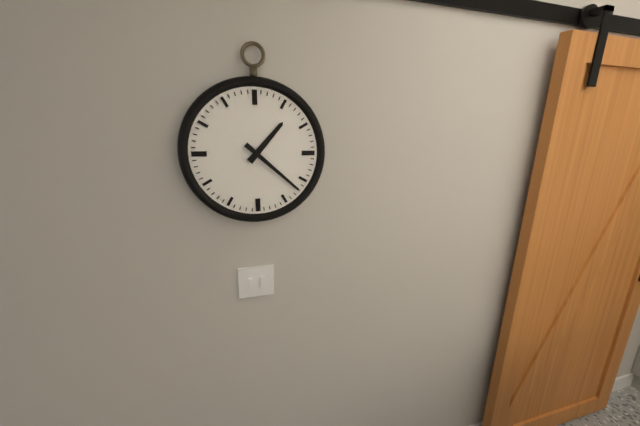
1.22
